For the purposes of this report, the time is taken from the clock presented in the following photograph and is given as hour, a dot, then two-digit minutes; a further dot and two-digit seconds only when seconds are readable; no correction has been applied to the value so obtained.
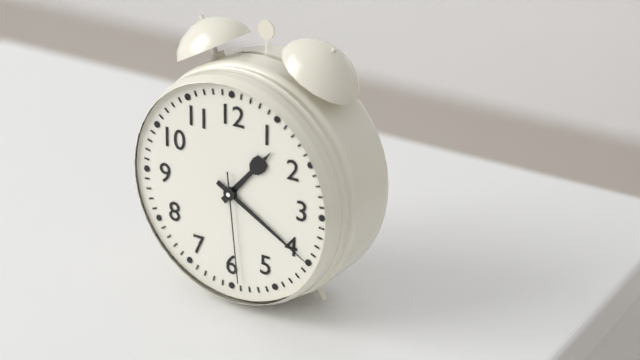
1.20.29
